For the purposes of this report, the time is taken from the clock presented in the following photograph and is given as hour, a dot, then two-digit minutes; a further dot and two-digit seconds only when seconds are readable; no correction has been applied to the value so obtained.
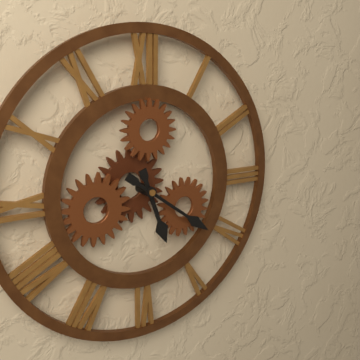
5.21
